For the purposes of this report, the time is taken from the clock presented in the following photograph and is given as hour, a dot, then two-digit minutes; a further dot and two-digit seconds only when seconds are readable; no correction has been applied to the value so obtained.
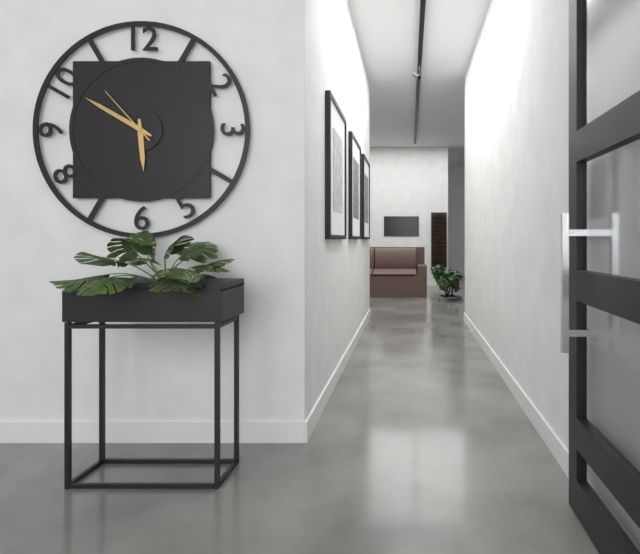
5.50.53
